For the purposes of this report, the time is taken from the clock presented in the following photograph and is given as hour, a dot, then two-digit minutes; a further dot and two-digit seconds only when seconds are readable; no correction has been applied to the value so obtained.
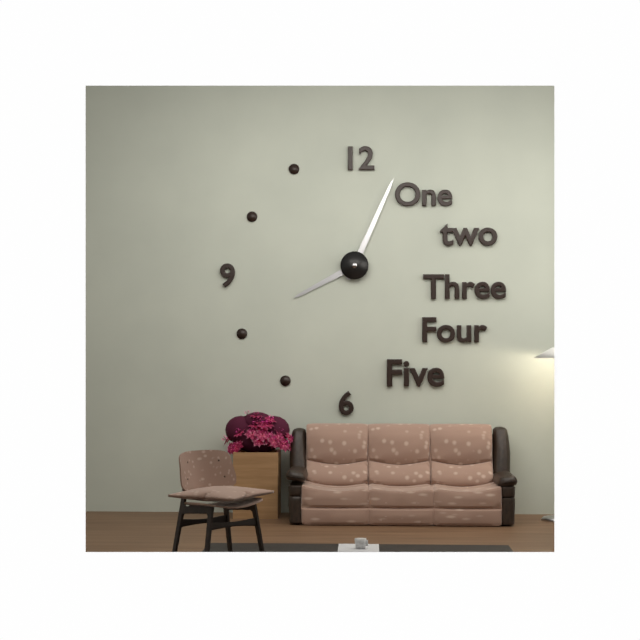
8.04
